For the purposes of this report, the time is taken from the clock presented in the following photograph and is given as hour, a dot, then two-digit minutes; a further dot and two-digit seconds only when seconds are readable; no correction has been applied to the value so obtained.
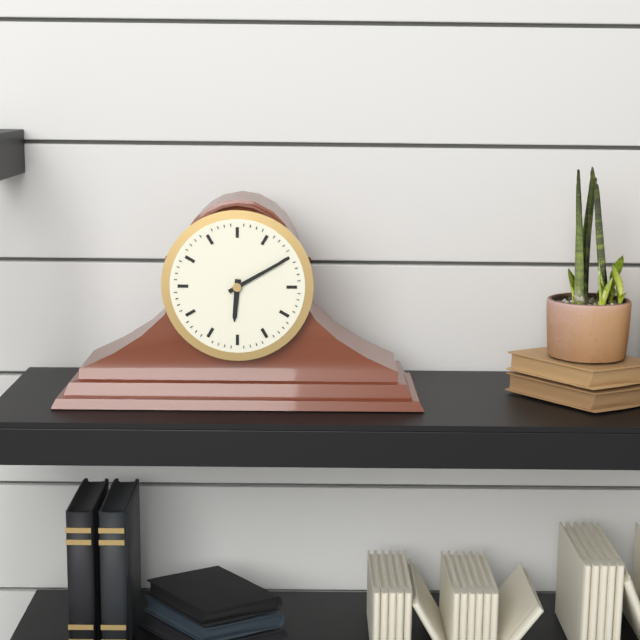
6.10
